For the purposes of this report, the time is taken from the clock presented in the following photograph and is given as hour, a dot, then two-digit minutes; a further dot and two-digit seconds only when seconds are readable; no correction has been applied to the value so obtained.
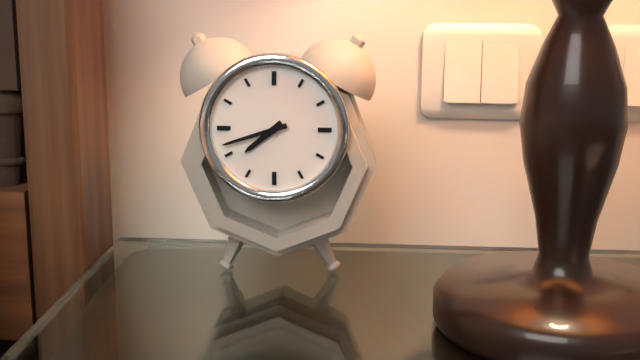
7.42
